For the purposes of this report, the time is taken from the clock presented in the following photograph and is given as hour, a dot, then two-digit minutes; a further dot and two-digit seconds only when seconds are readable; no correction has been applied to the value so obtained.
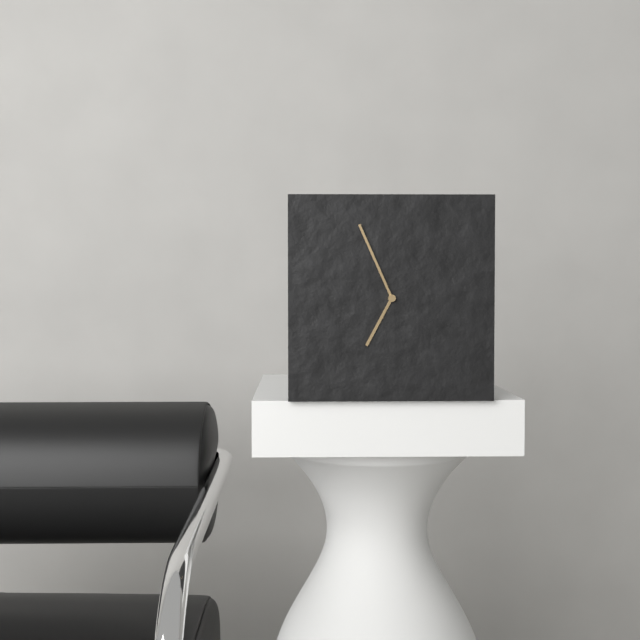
6.56
